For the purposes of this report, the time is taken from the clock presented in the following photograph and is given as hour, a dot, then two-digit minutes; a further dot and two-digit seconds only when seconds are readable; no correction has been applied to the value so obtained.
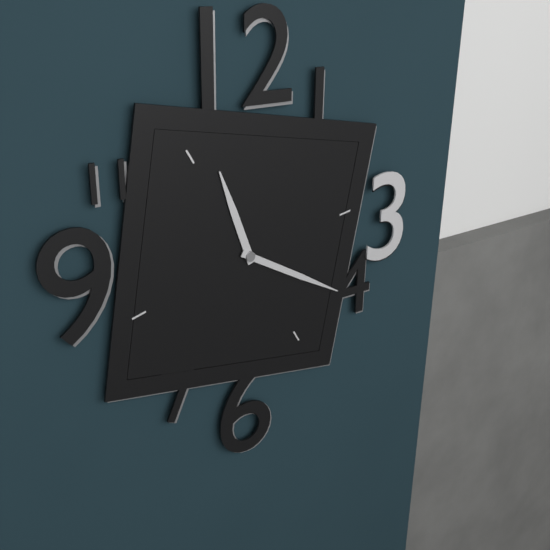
11.20
